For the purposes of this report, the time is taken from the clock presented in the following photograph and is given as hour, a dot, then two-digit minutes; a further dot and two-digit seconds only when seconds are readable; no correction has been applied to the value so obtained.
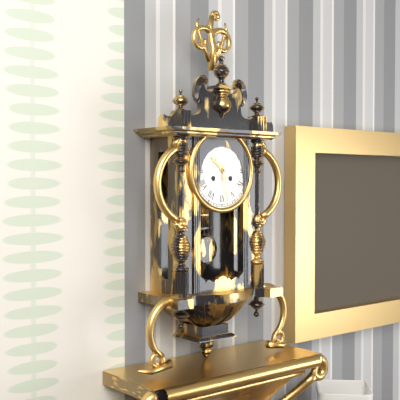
10.28
